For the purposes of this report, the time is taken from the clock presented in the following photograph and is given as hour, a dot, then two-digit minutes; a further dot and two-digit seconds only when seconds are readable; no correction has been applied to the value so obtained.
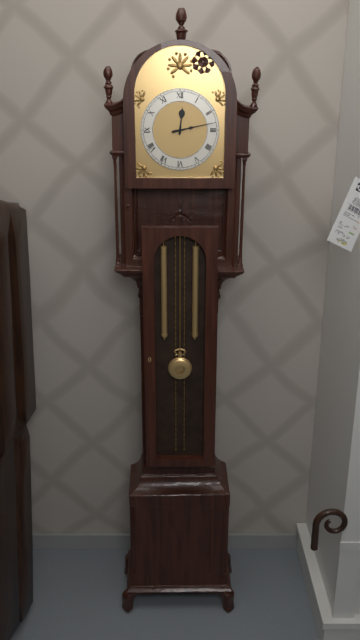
12.13
